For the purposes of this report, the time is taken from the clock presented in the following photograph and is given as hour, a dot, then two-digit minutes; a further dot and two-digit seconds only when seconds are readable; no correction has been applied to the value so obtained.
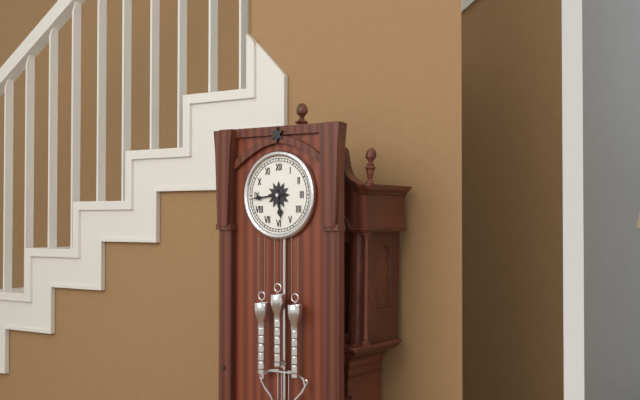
5.44
